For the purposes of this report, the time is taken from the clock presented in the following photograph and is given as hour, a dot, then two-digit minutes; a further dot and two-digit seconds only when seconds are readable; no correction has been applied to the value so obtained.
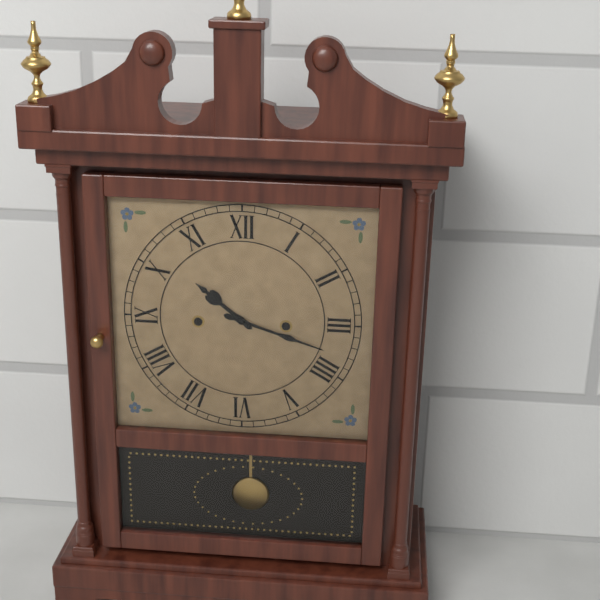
10.18
